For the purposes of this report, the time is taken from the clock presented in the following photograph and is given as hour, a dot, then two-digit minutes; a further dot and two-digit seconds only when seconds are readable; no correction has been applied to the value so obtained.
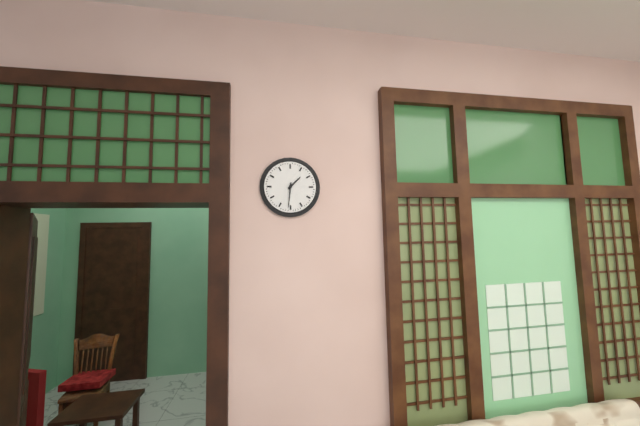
1.31
